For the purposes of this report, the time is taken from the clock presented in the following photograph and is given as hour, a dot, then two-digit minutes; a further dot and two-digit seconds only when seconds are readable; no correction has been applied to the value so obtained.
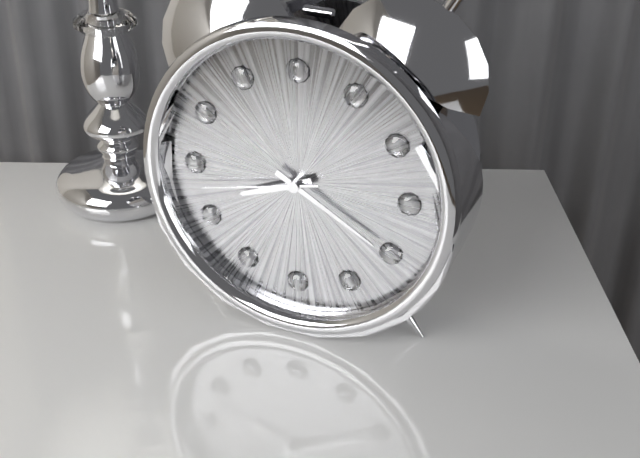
8.20.43
